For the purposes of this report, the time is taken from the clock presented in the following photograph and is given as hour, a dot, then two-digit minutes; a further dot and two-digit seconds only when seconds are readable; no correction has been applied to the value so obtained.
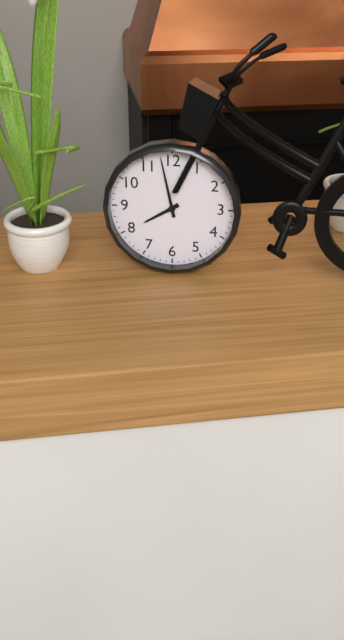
7.58
